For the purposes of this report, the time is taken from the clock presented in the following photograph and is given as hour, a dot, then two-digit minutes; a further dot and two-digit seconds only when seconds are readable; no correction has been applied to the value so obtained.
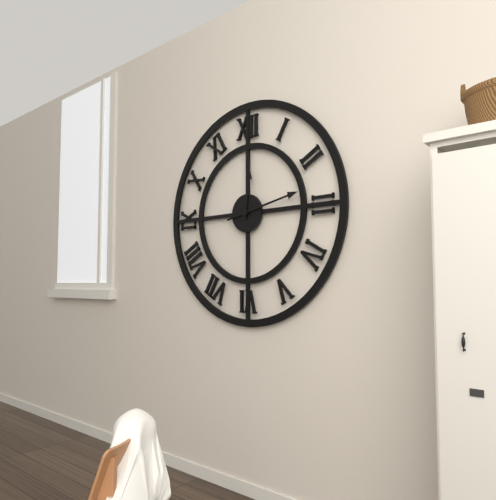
12.13
